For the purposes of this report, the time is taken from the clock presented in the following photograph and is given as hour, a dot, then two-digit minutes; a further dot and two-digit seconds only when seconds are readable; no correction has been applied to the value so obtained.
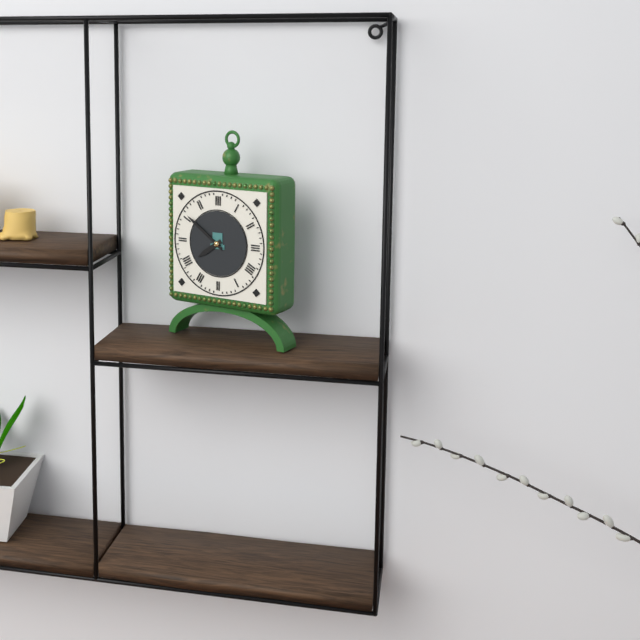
7.51
